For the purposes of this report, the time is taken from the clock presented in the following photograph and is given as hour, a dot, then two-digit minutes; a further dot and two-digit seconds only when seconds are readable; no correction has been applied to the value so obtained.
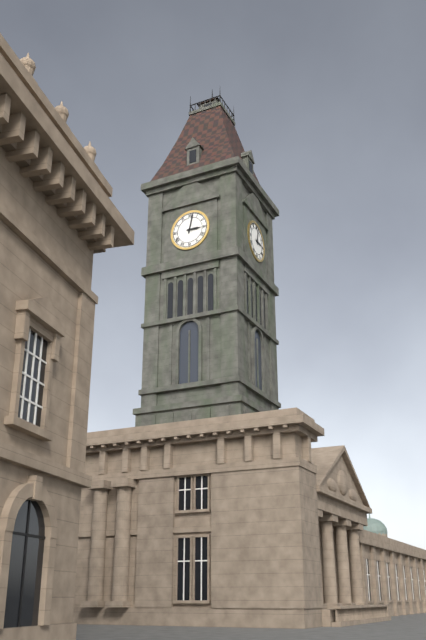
3.02
